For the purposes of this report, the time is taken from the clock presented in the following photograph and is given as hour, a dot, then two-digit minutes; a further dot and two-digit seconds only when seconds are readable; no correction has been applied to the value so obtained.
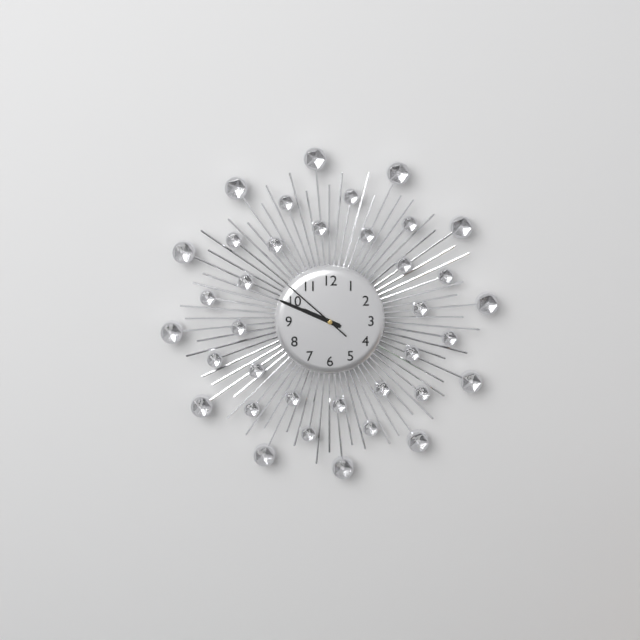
9.49.52
